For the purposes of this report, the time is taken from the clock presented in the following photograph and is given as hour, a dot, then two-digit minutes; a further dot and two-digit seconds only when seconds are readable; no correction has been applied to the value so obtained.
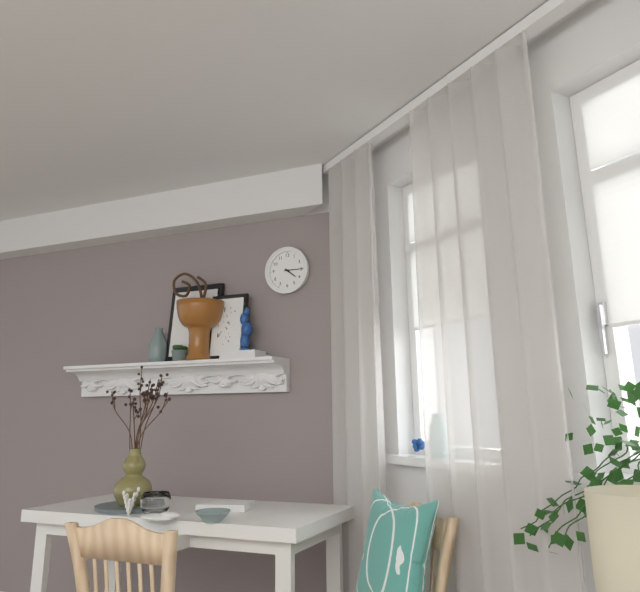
4.15
